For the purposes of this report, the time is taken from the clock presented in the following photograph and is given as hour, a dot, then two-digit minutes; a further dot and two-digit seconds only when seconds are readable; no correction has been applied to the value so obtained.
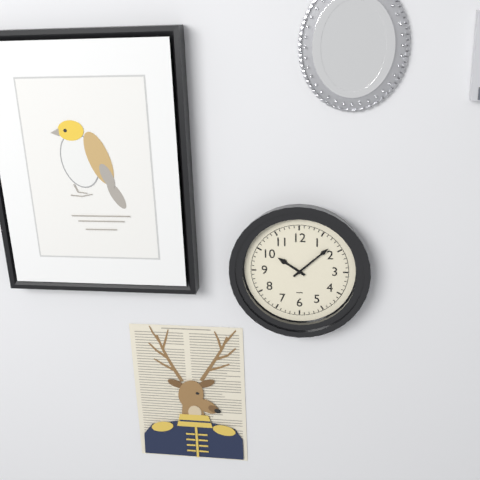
10.08
